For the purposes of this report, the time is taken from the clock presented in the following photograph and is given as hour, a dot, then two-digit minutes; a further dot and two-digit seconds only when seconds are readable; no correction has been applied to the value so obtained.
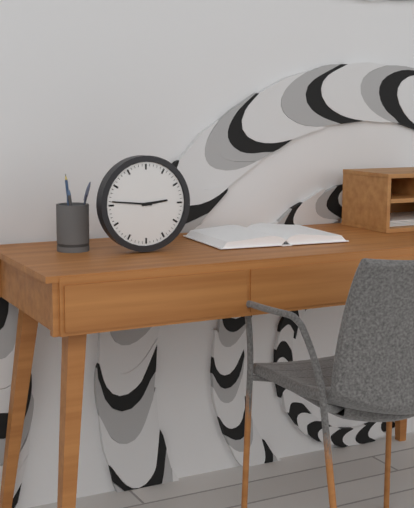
2.46
